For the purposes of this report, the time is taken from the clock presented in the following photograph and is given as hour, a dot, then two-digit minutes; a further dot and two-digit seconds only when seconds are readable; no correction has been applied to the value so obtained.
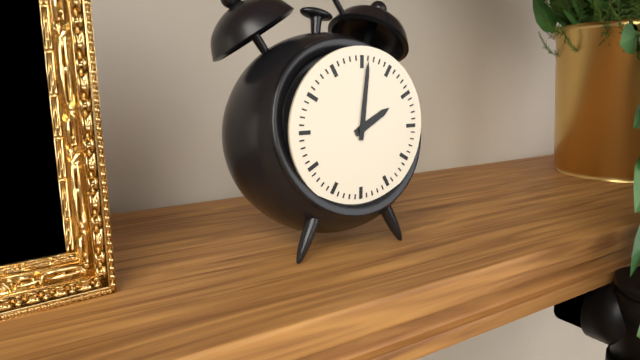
2.01
